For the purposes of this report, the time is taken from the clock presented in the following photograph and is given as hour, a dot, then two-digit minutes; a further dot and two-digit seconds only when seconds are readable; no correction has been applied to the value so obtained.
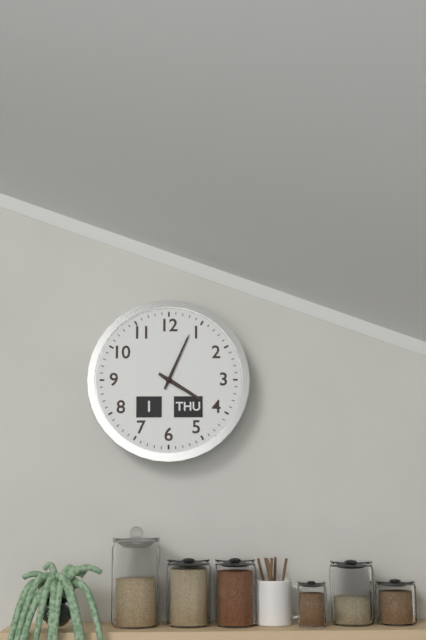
4.04
